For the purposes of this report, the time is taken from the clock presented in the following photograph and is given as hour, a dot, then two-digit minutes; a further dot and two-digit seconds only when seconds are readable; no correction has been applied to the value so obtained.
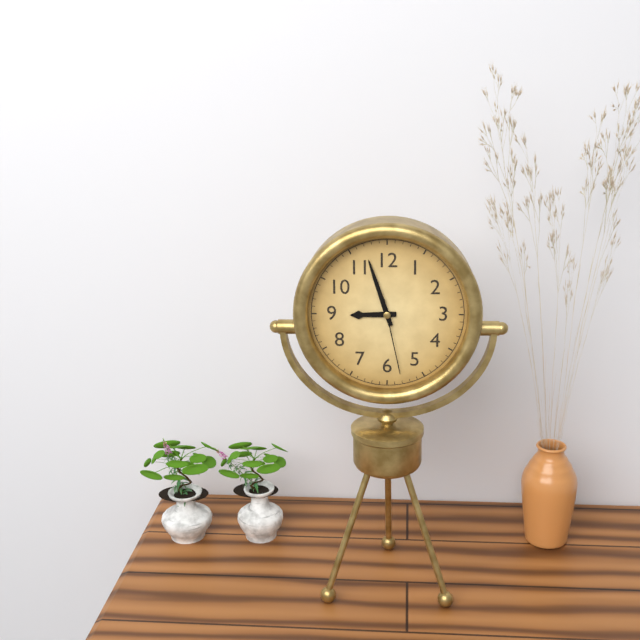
8.57.28
